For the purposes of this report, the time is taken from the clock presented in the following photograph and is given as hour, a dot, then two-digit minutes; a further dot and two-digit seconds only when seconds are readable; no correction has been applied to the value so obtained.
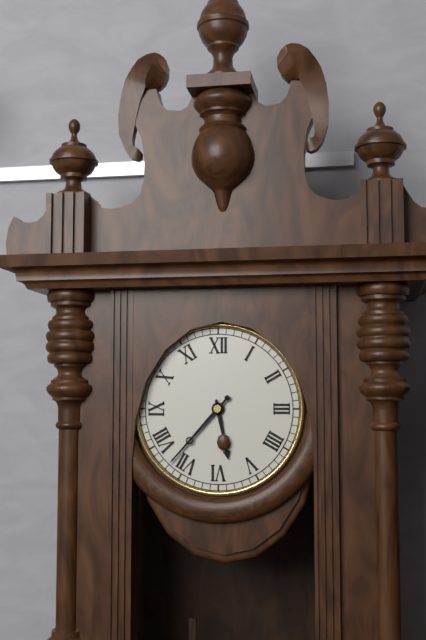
5.37
